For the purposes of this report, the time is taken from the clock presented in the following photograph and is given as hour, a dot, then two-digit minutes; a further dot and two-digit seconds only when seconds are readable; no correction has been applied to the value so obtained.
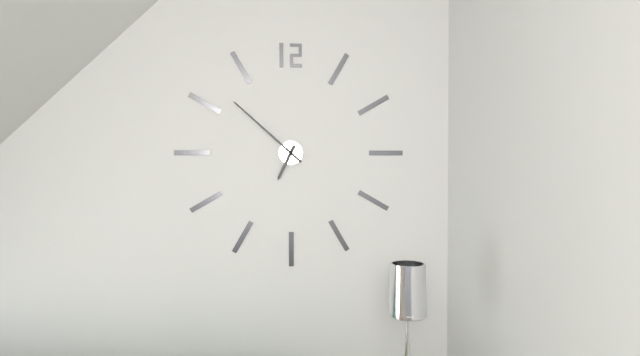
6.52
